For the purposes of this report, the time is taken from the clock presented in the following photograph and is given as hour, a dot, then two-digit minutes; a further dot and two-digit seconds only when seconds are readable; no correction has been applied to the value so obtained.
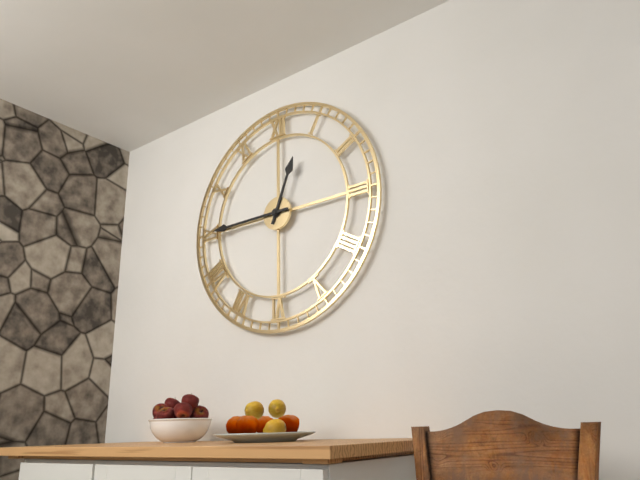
12.45
